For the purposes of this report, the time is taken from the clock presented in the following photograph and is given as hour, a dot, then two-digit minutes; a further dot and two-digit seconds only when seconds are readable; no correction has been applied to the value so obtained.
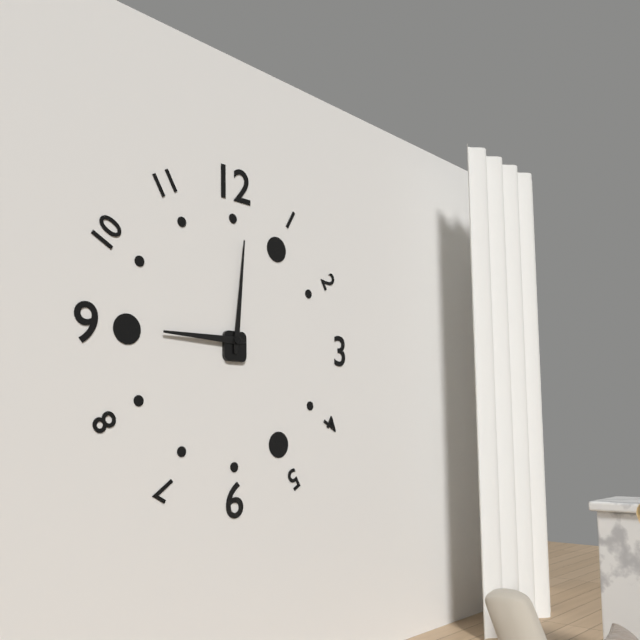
9.01
